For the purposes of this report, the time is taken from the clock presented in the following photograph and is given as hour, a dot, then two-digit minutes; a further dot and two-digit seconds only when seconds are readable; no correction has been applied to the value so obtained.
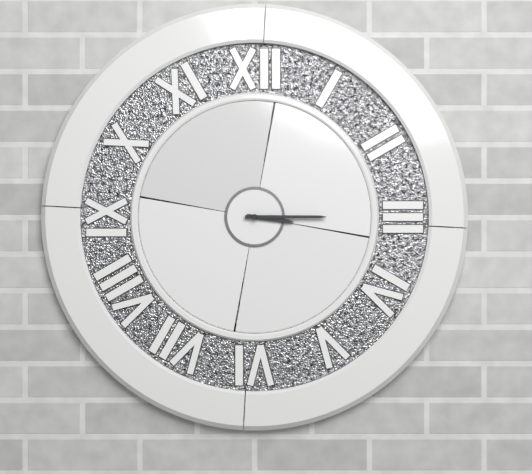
3.15
